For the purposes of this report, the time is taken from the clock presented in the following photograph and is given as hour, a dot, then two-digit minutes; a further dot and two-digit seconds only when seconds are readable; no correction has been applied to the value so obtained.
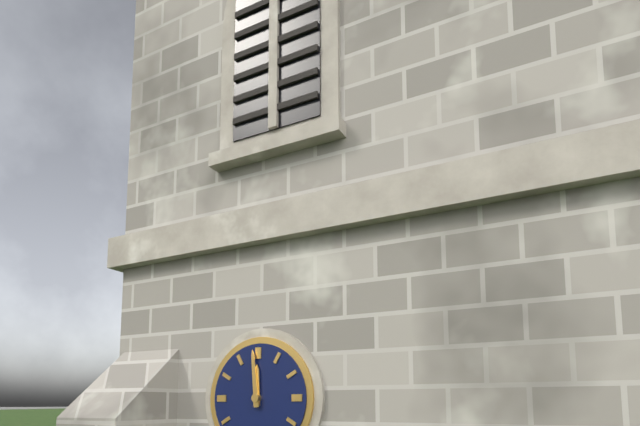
11.59
